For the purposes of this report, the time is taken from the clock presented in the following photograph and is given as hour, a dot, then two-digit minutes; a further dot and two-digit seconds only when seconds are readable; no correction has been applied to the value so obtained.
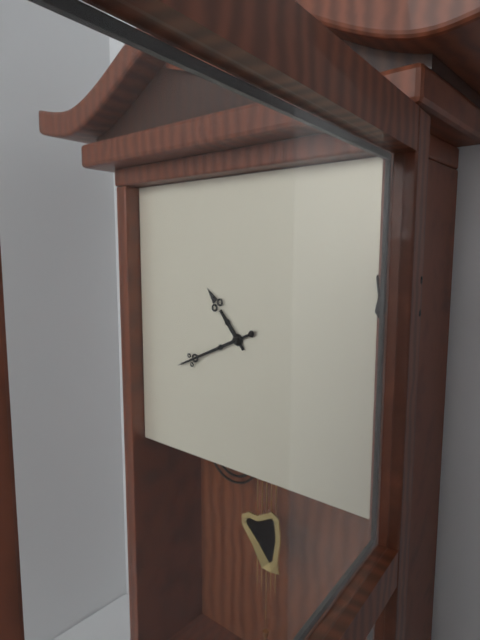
10.41
